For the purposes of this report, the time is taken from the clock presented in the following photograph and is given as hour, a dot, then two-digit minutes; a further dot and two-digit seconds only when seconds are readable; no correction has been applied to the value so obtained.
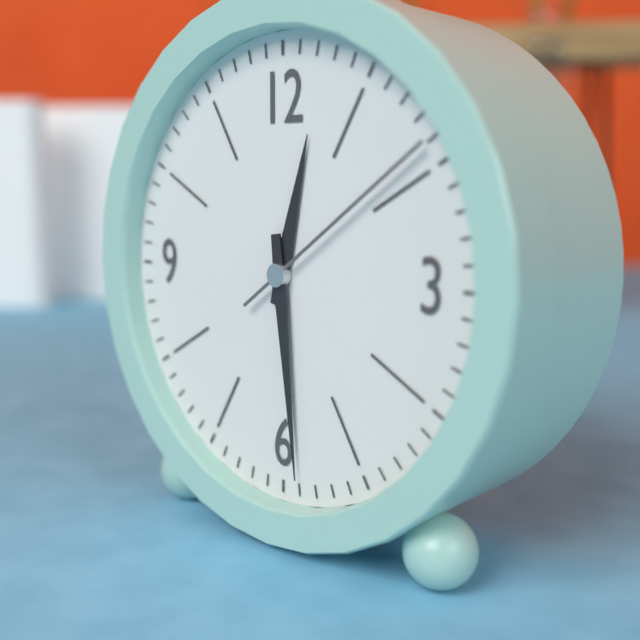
12.29.09
